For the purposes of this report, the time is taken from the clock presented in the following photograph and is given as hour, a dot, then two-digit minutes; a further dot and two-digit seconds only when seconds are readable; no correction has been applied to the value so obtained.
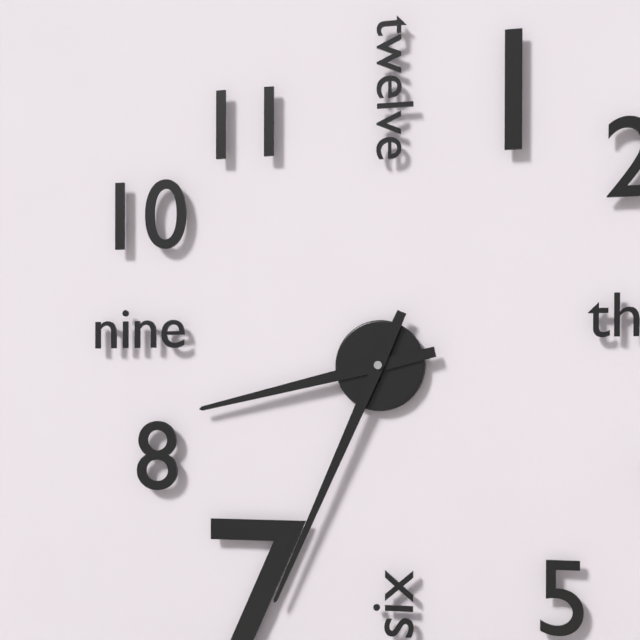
8.34
